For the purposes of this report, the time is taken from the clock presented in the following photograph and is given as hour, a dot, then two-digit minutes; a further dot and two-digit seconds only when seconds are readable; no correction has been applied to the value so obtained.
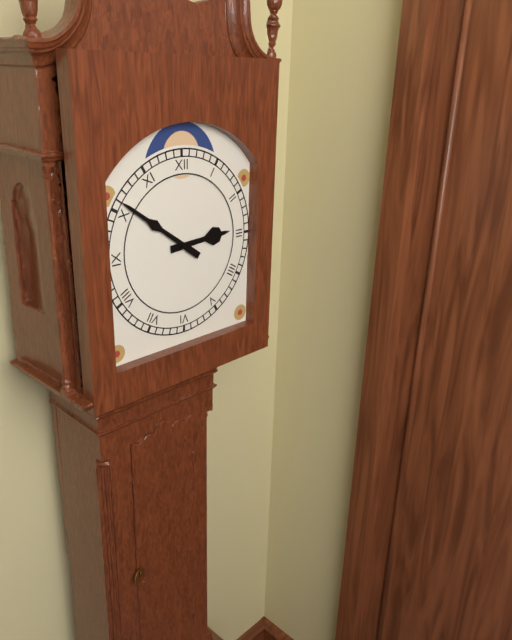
2.51
